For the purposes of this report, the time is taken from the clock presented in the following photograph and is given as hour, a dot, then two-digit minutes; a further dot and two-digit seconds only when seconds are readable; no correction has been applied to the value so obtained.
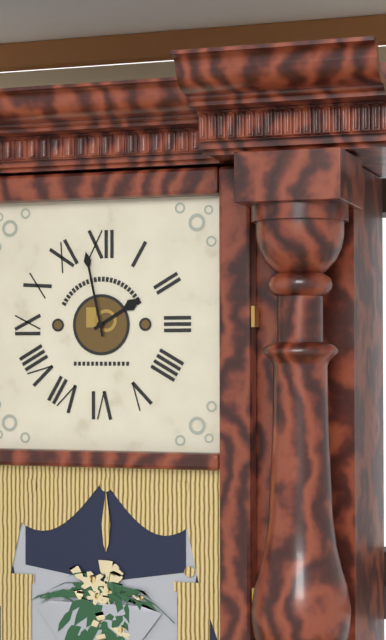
1.58
